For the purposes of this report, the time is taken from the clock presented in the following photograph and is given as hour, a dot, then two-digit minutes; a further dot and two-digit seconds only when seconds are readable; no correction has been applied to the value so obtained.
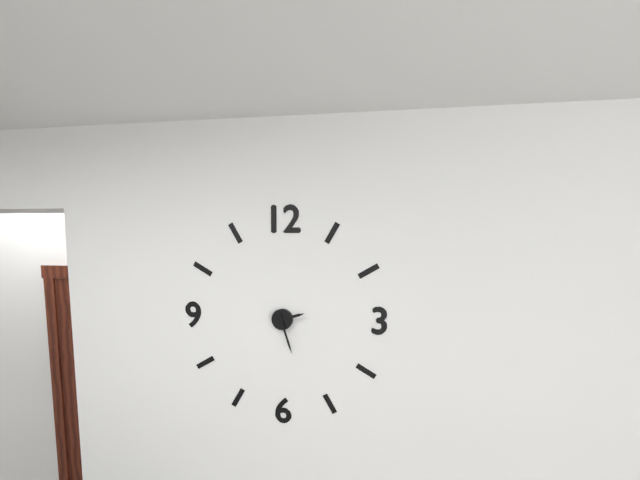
2.27
